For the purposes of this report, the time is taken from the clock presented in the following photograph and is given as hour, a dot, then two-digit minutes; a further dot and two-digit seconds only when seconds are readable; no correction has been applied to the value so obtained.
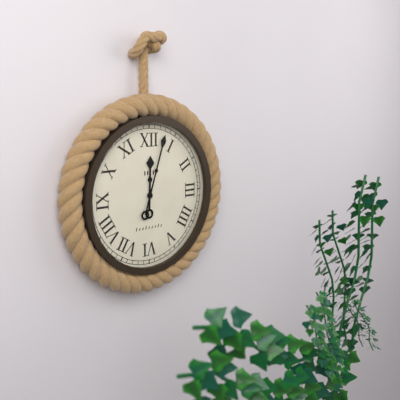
12.03
